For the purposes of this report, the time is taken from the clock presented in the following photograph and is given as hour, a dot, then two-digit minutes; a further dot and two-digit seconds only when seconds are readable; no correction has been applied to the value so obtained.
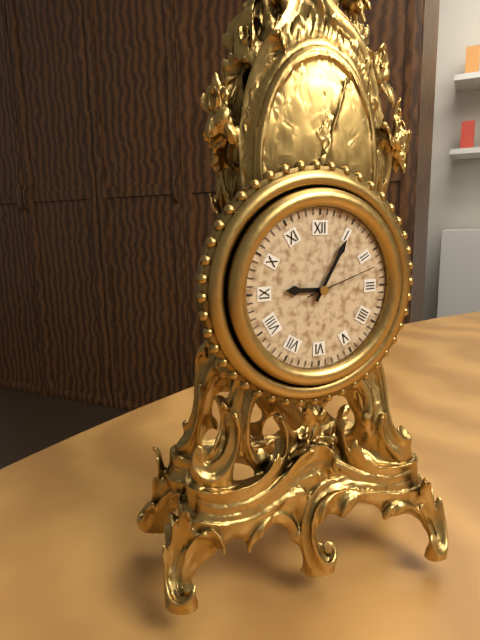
9.05.12
